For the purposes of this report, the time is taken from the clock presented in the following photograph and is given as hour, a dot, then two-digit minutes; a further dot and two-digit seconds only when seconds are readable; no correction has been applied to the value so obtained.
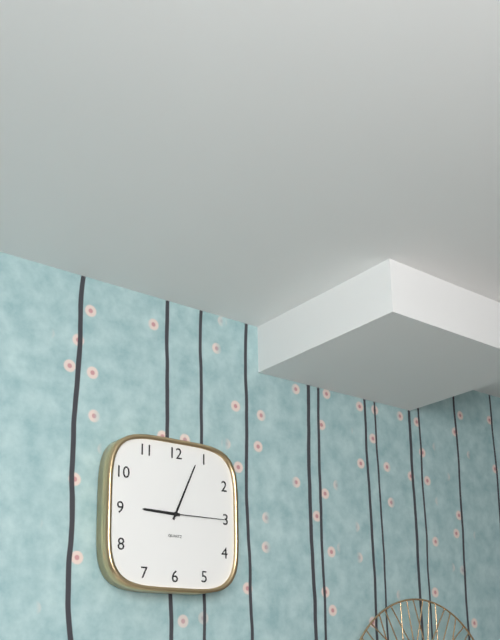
9.04.15
